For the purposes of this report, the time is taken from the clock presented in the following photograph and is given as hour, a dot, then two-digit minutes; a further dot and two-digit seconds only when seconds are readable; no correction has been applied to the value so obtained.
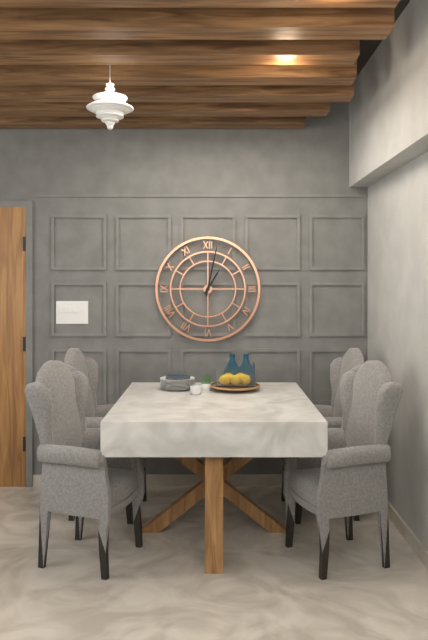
1.02
